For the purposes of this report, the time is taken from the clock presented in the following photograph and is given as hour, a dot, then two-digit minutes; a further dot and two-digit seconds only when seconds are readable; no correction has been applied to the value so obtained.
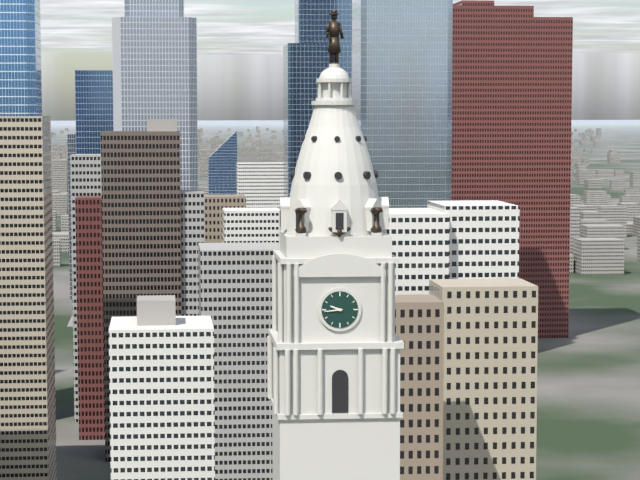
9.44
